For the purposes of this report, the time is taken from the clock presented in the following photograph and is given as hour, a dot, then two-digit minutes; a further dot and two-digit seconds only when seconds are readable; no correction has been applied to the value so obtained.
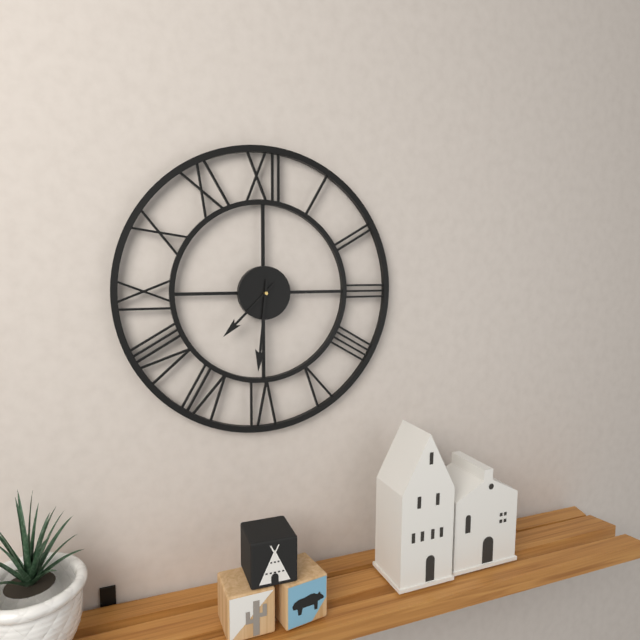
7.31
